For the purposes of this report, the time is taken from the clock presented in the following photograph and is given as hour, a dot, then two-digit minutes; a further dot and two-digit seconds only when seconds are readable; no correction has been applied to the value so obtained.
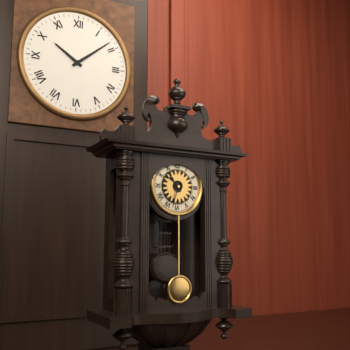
10.33
